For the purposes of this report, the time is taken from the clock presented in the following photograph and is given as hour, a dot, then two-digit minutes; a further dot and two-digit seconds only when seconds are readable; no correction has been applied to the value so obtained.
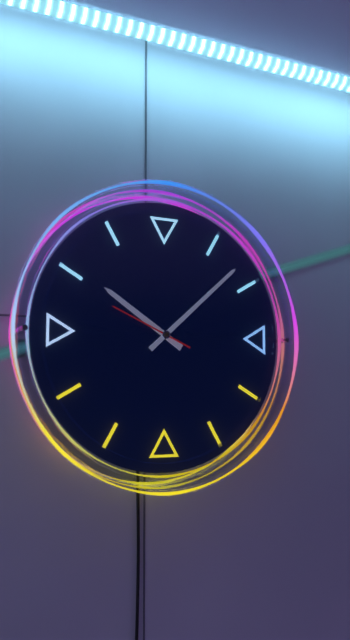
10.08.49
